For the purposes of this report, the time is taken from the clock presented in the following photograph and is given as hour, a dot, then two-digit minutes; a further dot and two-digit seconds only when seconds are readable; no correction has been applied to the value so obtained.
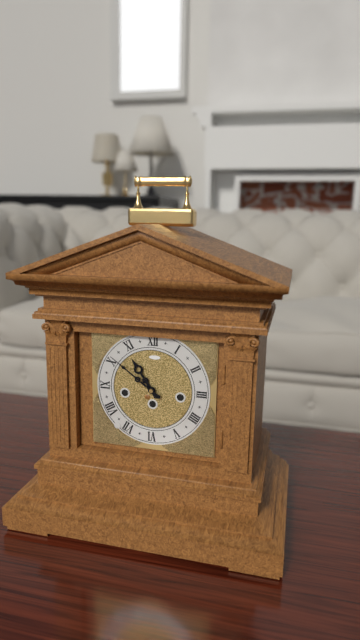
10.51
